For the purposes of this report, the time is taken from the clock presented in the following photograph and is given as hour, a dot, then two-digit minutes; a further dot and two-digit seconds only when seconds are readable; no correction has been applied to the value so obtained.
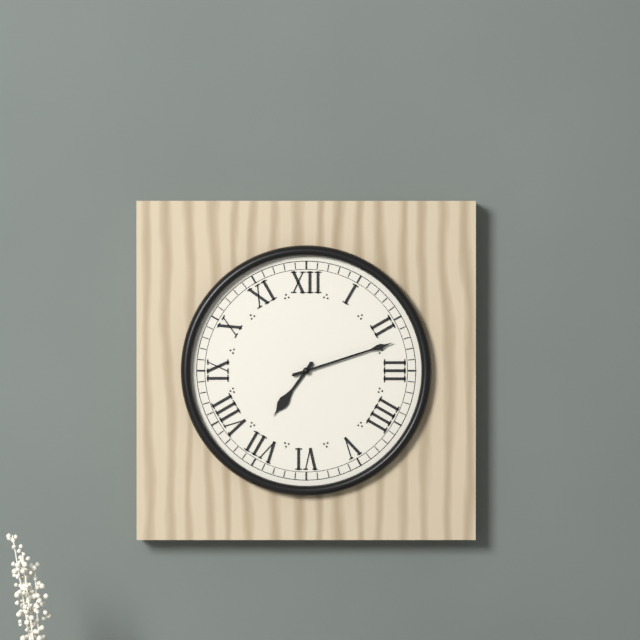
7.12
